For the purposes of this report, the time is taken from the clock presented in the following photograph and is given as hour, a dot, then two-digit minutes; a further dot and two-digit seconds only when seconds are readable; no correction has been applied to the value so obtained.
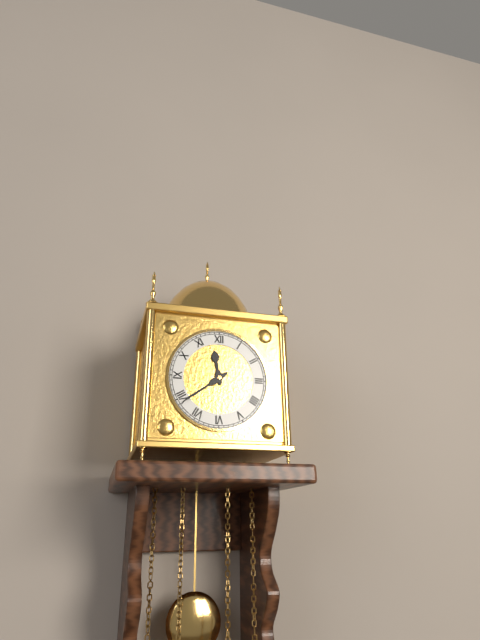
11.39
